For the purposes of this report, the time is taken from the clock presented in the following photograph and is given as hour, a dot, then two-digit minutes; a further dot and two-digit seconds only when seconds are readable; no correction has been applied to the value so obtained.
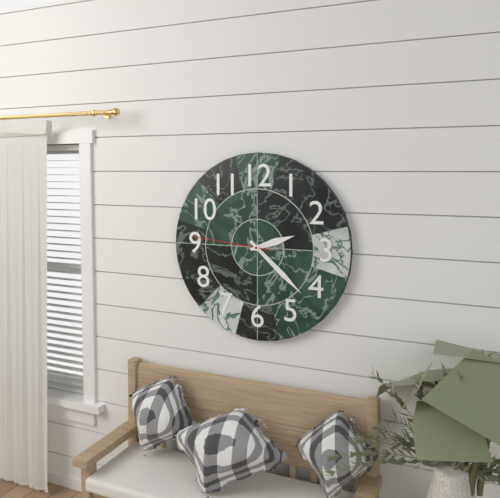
2.22.46
